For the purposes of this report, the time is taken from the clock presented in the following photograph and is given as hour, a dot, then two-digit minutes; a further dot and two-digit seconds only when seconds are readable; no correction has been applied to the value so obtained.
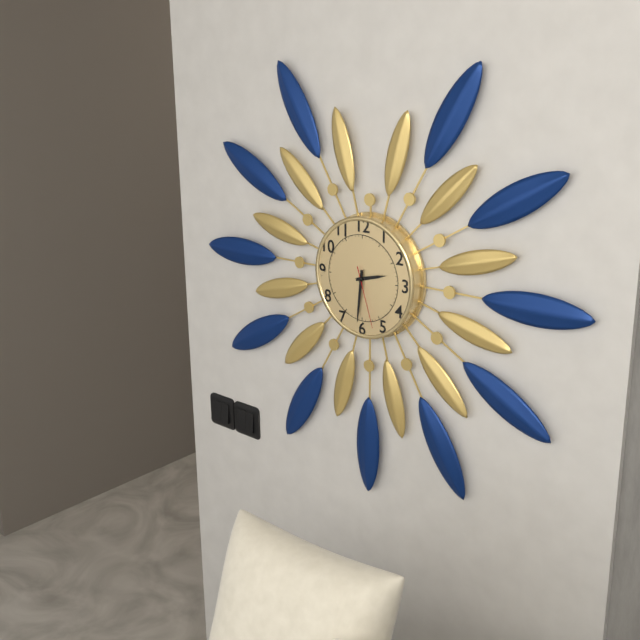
2.31.27
